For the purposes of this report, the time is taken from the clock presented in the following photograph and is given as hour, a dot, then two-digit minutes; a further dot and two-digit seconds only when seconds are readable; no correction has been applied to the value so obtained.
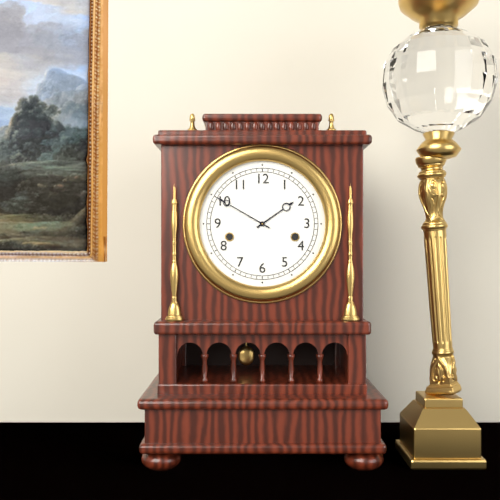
1.50
